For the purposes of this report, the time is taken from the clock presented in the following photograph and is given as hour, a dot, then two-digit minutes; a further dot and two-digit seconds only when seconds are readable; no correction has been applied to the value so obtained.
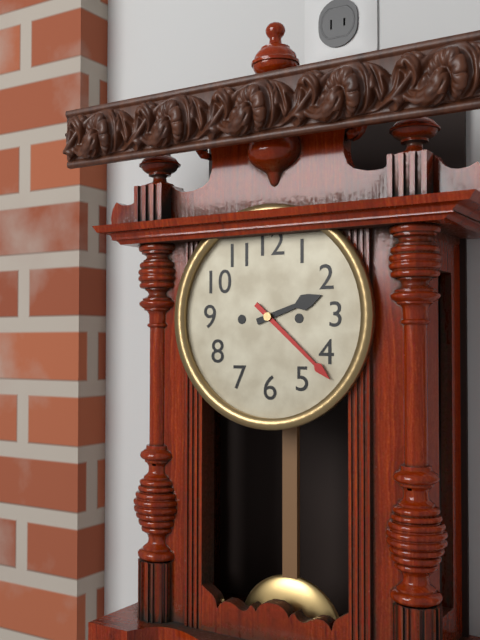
2.22
